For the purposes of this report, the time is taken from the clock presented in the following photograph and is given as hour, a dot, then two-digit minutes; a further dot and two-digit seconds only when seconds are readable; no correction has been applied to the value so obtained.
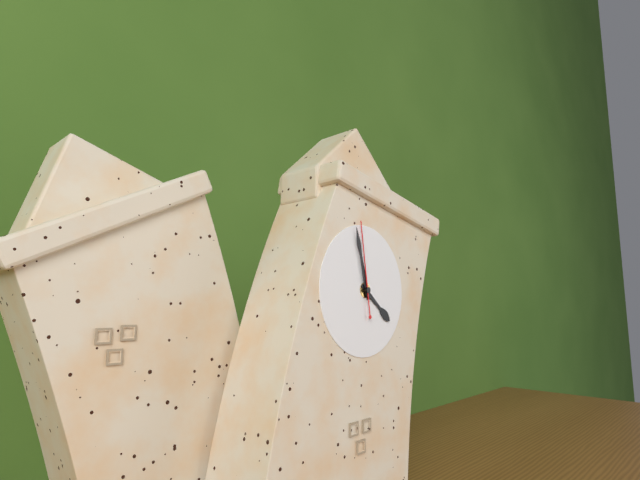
3.56.57
